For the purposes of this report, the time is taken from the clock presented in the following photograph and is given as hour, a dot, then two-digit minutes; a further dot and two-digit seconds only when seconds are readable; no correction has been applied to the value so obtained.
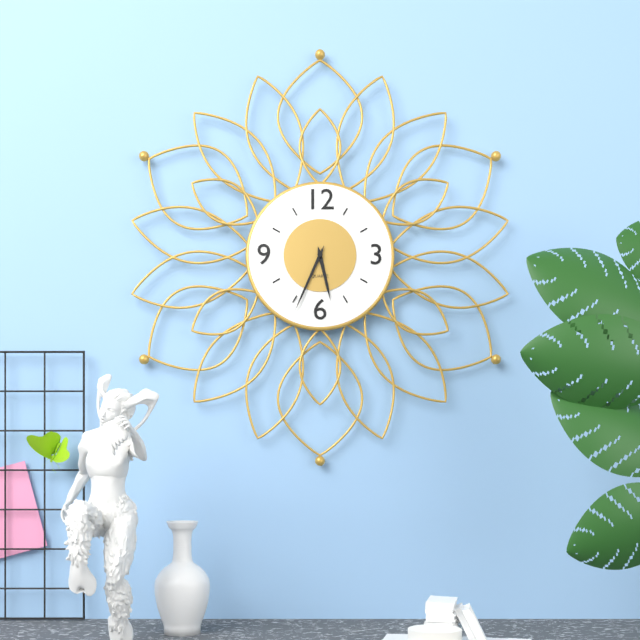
5.34
